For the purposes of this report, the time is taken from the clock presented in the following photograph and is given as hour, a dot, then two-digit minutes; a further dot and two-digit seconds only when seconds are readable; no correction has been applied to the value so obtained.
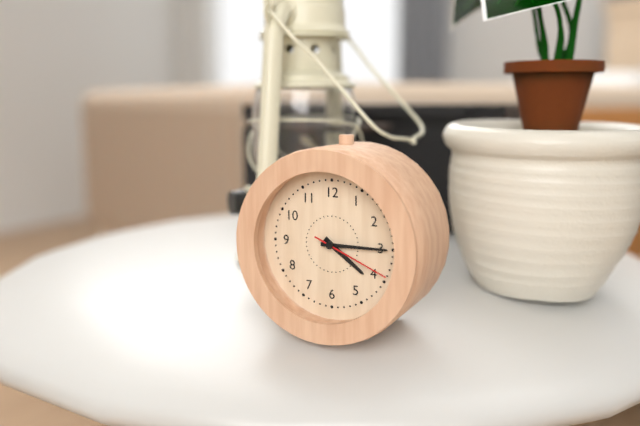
4.15.19
